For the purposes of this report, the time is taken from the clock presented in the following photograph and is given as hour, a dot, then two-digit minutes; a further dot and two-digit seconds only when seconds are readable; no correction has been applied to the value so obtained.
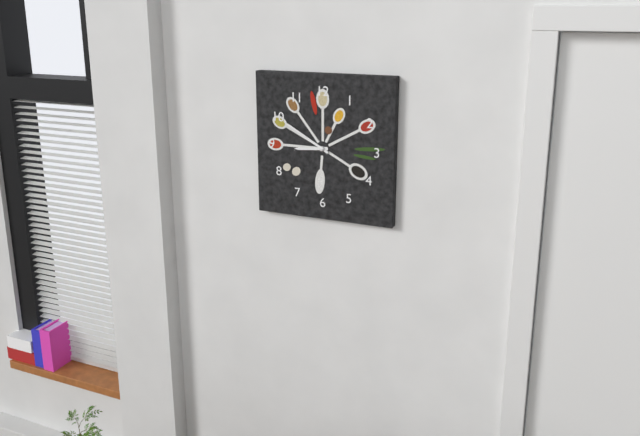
8.50
